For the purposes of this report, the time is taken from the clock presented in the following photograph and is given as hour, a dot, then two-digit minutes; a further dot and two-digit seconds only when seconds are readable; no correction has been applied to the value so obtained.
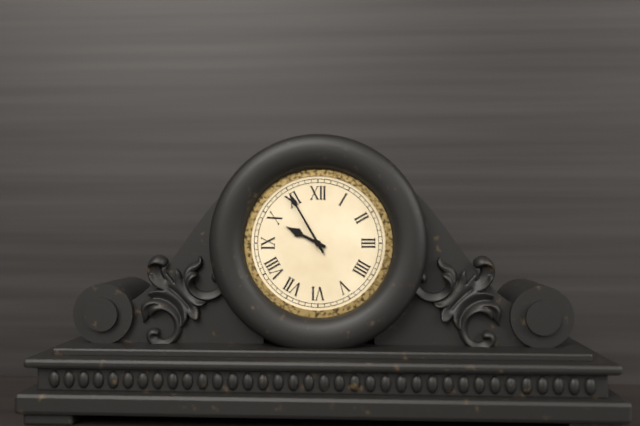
9.55
